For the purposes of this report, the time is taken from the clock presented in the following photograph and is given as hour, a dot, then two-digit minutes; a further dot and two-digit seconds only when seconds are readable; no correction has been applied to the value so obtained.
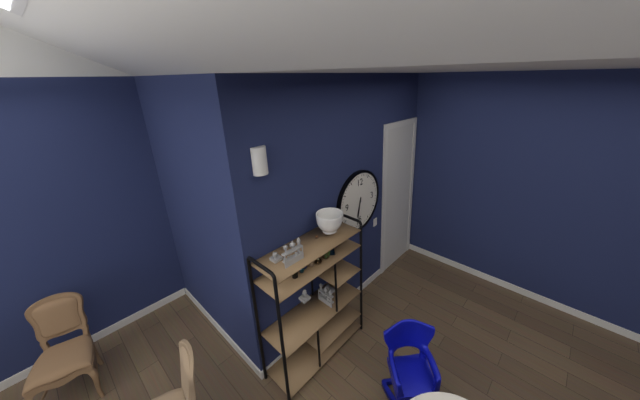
6.32
